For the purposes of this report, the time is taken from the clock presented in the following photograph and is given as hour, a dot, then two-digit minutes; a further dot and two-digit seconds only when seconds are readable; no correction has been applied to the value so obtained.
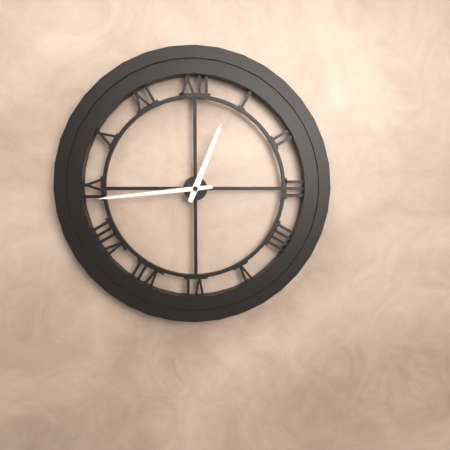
12.44
